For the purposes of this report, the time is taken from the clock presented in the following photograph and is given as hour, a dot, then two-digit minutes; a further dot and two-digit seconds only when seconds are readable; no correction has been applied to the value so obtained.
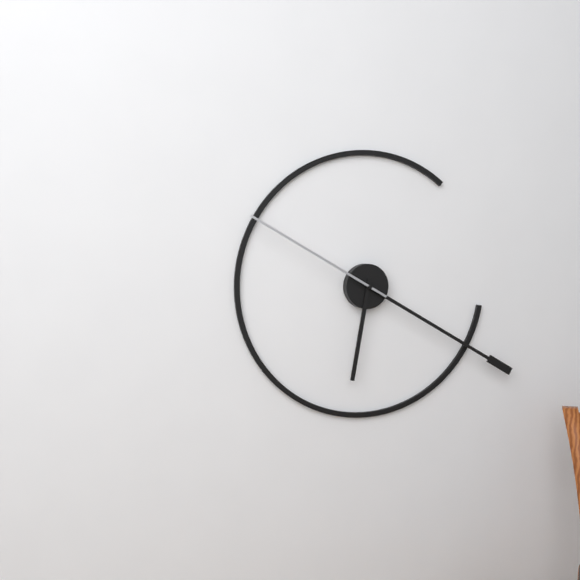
6.20.50
